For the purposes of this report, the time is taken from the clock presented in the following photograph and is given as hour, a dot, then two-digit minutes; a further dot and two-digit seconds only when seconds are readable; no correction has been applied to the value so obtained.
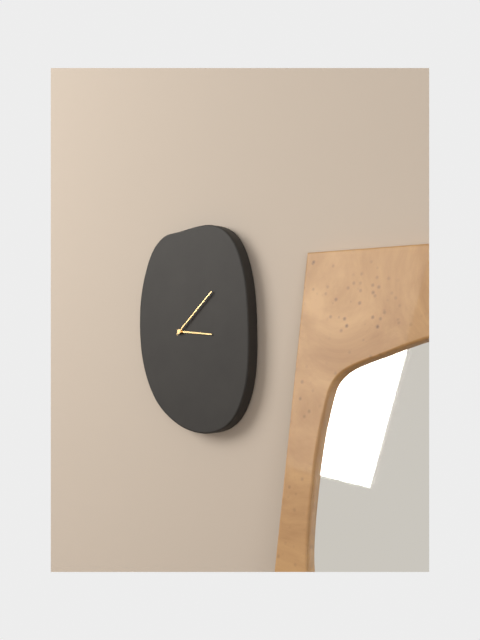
3.08
